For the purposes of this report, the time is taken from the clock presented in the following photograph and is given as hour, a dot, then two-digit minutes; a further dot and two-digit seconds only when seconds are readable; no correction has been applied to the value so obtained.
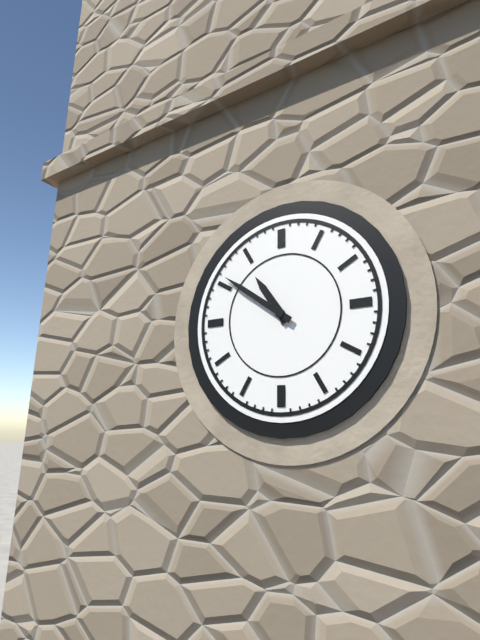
10.51
